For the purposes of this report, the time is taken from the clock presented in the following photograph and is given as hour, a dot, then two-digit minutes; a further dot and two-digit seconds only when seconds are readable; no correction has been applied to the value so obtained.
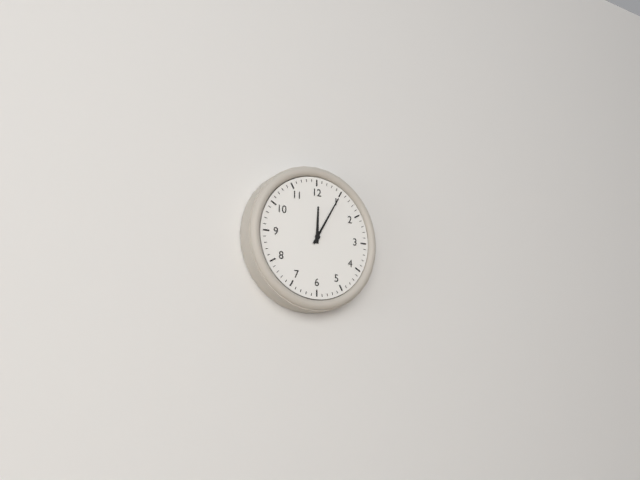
12.05
